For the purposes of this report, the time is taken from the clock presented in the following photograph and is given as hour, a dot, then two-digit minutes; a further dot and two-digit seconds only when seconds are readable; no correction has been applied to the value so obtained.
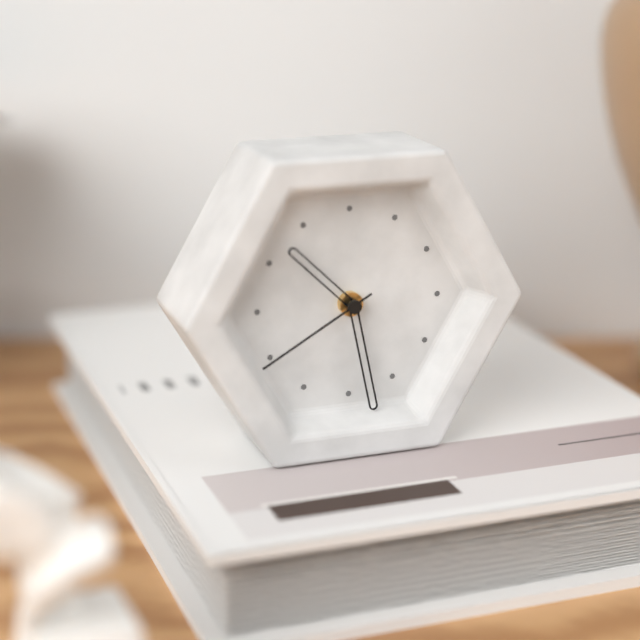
10.28.40
